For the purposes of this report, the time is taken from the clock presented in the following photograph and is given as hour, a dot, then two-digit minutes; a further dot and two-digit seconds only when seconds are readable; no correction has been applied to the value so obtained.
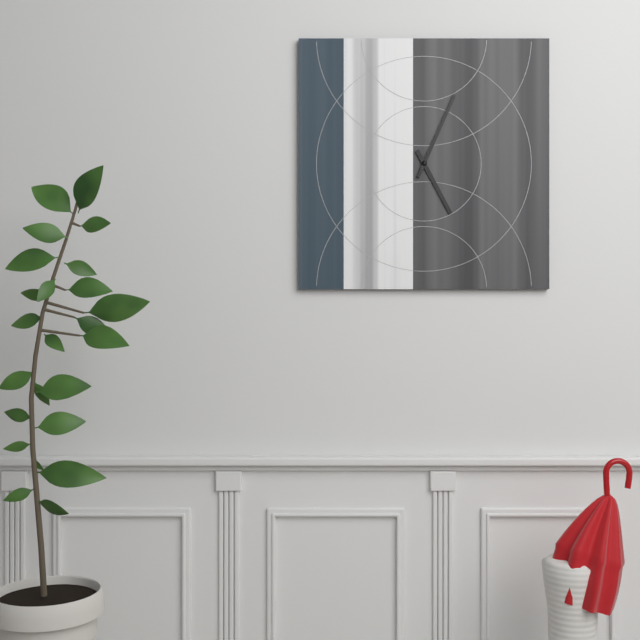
5.04
